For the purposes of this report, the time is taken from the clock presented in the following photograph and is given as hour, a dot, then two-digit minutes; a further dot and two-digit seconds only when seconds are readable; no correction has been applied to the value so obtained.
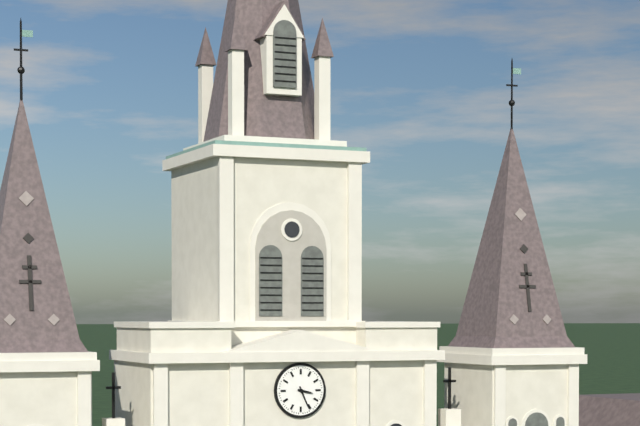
3.26
